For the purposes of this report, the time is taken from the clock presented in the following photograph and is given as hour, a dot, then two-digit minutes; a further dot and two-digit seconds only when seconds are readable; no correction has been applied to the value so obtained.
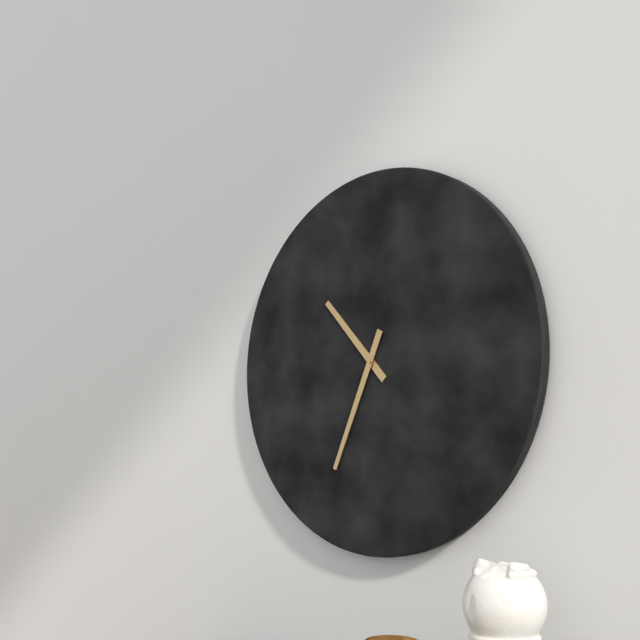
10.34
